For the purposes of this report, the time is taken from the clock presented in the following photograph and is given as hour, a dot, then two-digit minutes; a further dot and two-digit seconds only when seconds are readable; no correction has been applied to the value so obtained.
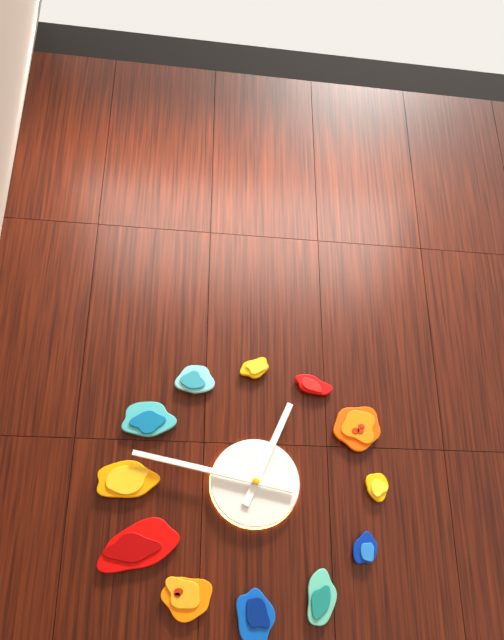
12.47
